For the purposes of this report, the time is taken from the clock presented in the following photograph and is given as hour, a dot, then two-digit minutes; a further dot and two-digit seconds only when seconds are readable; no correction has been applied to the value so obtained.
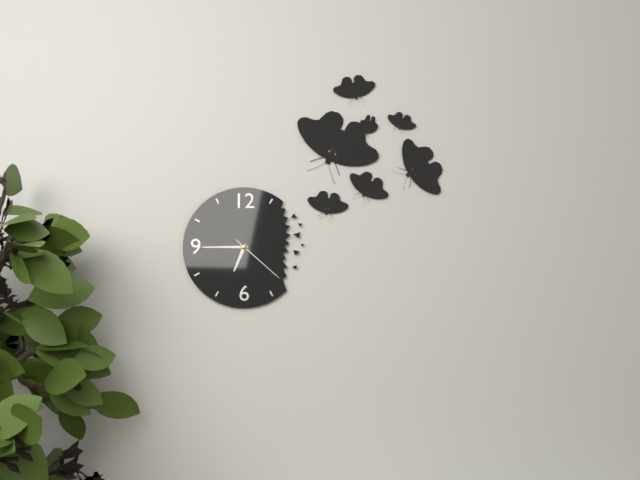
6.45.22
